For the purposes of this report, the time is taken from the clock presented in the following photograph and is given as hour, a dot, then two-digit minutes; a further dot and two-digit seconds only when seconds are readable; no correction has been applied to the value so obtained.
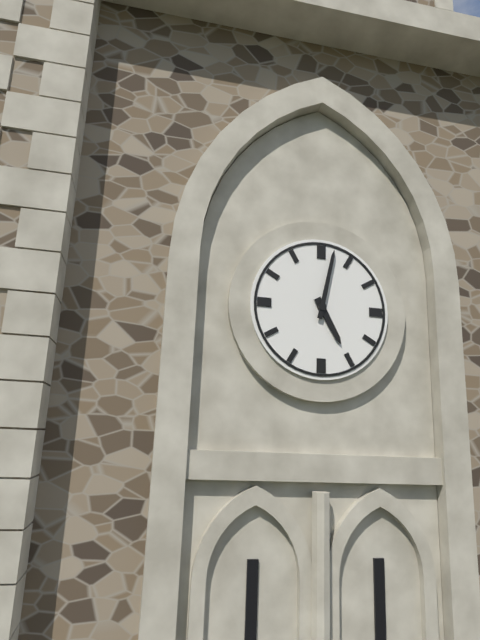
5.02
